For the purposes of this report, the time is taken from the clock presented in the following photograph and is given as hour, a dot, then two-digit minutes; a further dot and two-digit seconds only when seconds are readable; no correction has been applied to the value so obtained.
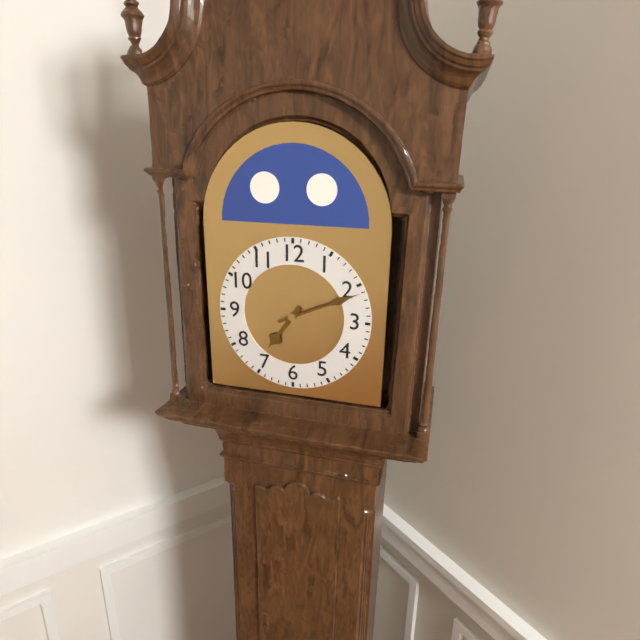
7.11
